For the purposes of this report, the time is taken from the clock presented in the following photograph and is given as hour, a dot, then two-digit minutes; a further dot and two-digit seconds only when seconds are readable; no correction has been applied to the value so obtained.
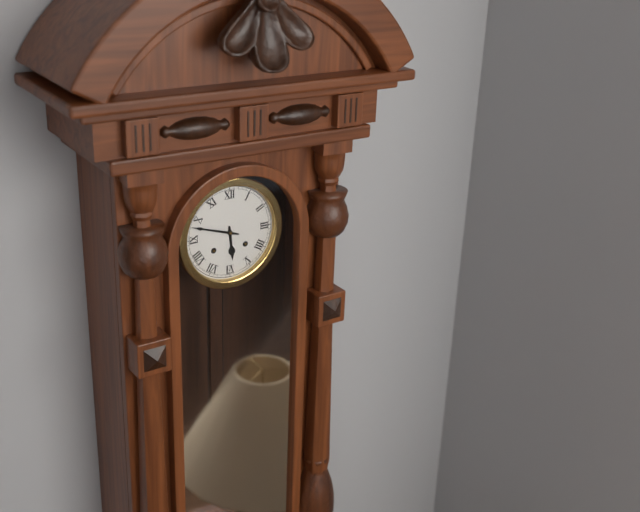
5.48
